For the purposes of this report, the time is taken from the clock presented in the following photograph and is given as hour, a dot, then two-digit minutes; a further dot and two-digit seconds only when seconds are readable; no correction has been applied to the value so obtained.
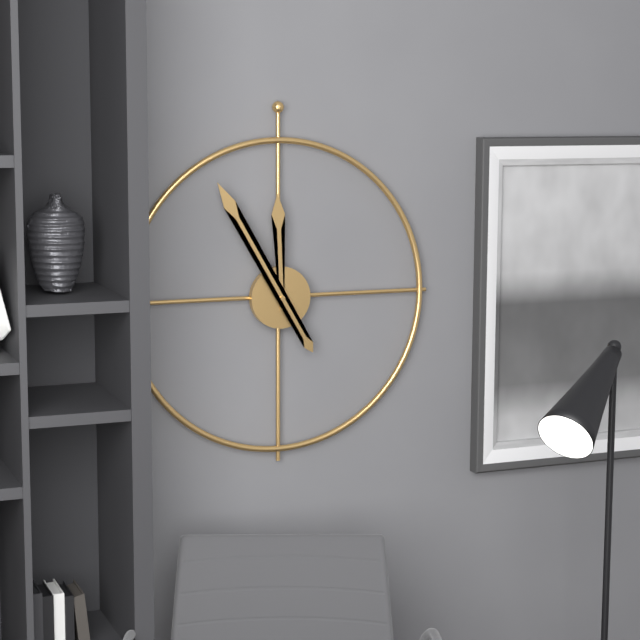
11.55
